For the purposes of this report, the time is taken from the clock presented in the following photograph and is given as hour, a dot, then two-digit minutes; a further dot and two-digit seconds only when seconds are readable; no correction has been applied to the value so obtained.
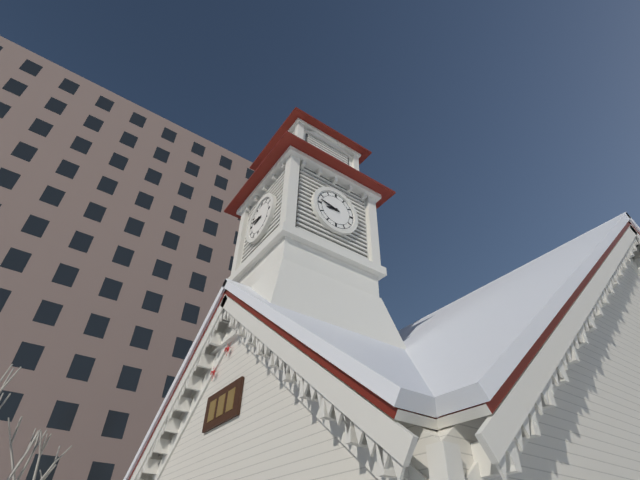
8.47
